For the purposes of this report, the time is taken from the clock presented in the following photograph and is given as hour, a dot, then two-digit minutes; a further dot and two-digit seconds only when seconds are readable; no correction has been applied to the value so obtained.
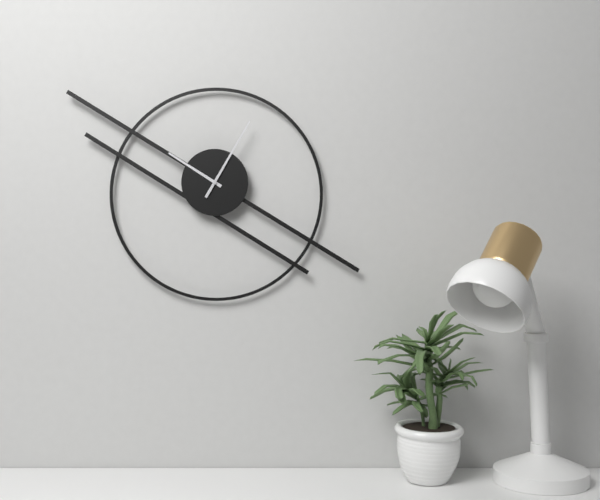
10.05
